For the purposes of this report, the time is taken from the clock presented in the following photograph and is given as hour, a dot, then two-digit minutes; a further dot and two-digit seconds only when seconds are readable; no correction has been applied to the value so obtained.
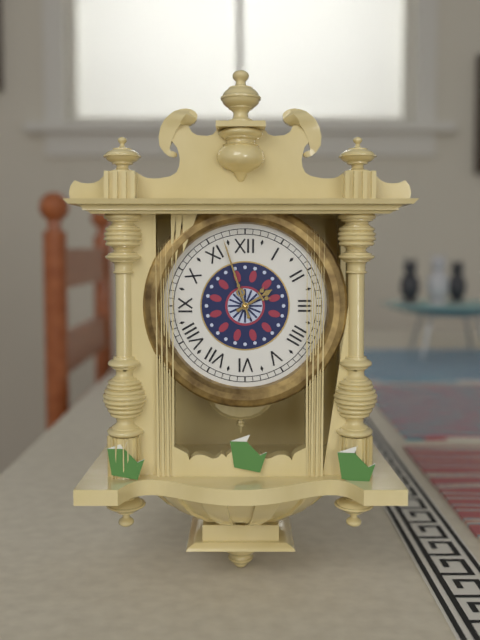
1.57
